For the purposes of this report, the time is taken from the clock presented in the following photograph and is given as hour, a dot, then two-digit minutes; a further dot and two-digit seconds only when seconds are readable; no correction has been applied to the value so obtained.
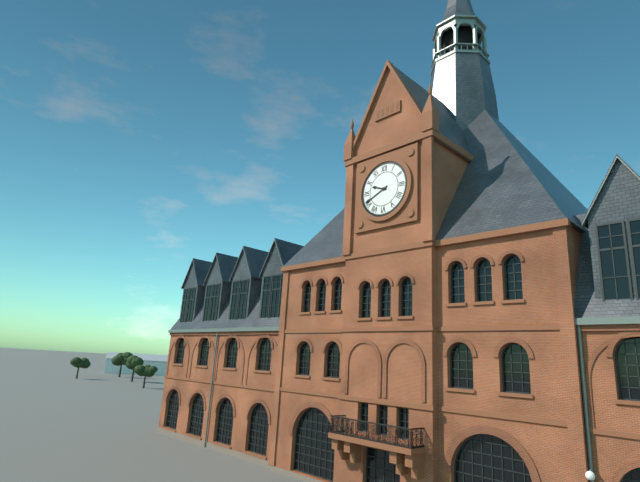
9.41
